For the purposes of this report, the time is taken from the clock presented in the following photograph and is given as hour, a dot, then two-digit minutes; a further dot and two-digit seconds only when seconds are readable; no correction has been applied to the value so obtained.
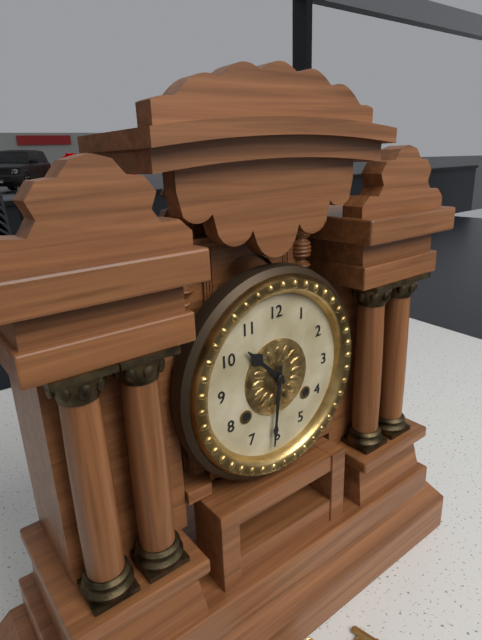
10.31
